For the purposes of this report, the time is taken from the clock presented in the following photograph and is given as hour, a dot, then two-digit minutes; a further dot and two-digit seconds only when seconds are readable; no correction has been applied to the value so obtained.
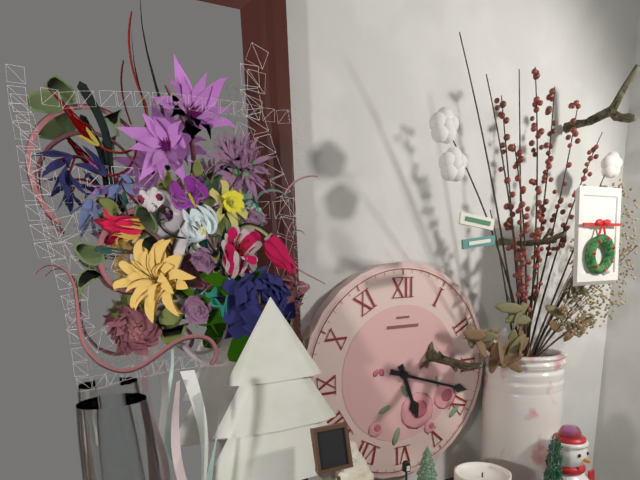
5.18
